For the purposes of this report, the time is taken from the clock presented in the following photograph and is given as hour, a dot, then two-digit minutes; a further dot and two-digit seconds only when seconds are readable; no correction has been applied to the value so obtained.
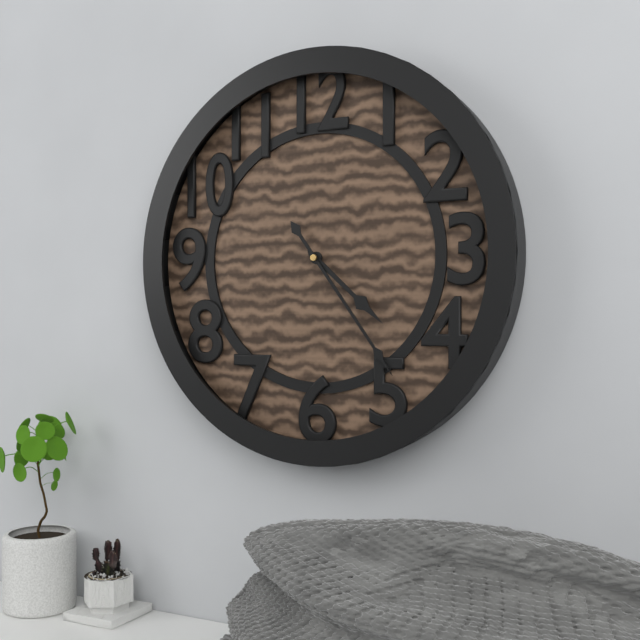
4.24
